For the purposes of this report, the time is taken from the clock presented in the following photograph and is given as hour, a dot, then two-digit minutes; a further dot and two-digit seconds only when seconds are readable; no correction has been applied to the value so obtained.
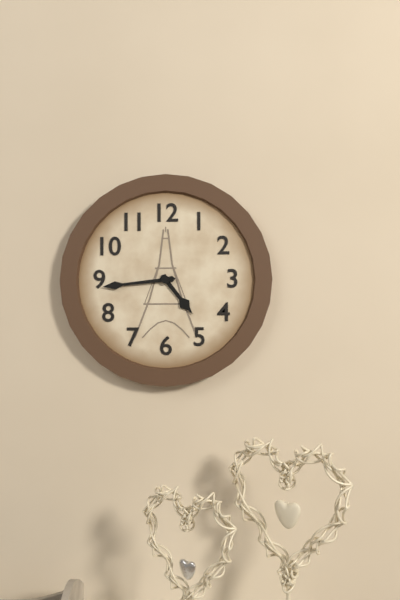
4.44
